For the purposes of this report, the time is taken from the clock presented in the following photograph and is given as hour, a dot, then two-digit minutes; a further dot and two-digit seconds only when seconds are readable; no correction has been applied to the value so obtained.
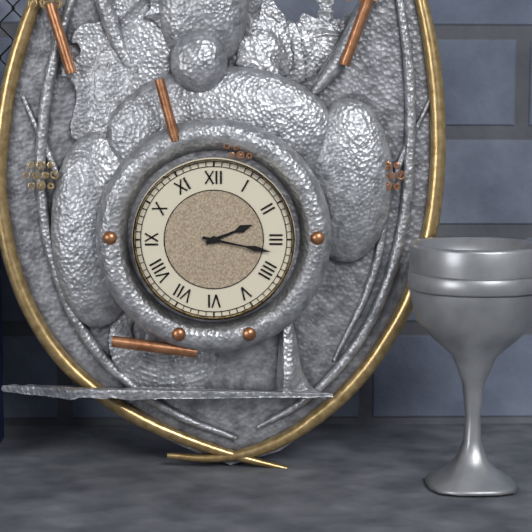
2.17
